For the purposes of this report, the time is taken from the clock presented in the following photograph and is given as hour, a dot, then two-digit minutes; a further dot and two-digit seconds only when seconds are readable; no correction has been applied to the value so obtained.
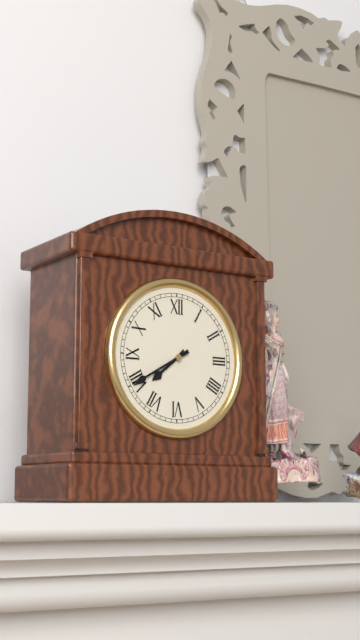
7.40
